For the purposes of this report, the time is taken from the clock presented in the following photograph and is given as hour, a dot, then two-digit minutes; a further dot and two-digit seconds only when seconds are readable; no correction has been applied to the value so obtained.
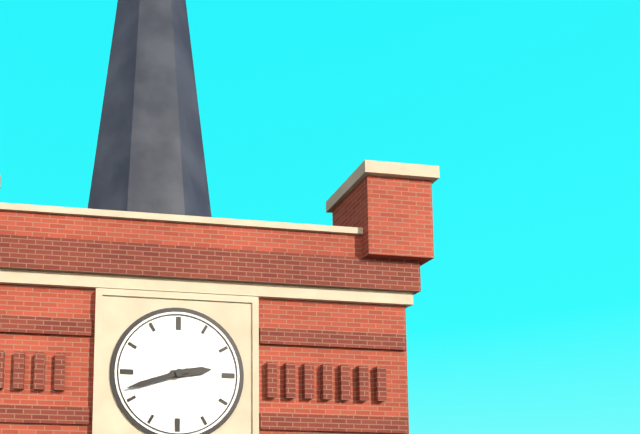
2.42
